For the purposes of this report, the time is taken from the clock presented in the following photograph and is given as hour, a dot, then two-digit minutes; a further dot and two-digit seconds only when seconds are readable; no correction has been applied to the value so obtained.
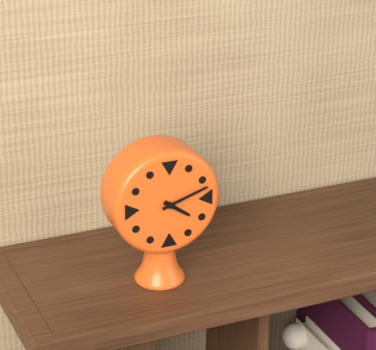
4.12
